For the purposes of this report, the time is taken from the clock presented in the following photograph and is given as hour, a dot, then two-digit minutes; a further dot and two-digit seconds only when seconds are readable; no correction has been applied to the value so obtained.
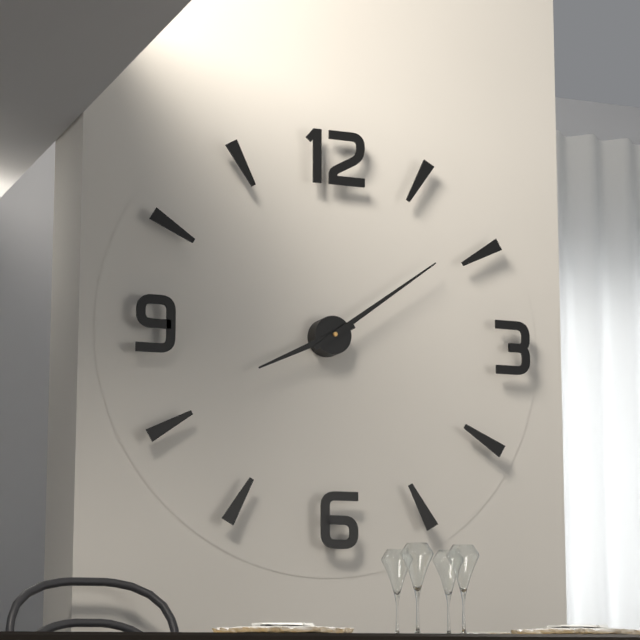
8.09
